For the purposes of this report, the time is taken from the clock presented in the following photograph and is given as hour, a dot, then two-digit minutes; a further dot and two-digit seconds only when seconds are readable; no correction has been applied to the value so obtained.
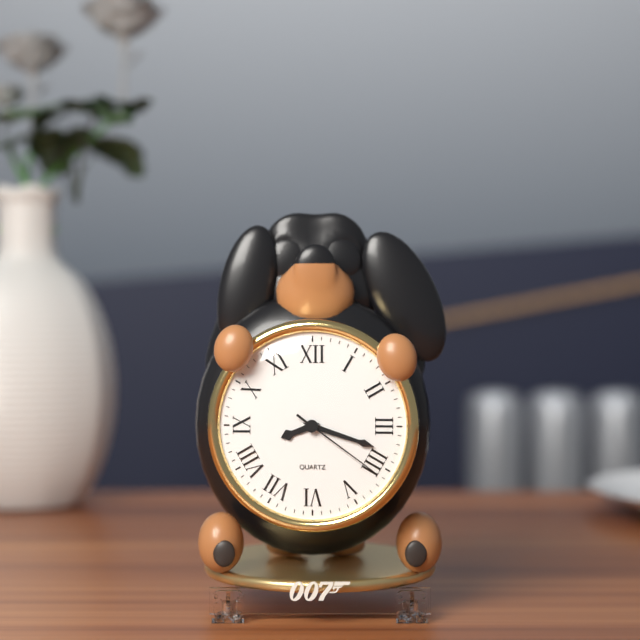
8.18.21
